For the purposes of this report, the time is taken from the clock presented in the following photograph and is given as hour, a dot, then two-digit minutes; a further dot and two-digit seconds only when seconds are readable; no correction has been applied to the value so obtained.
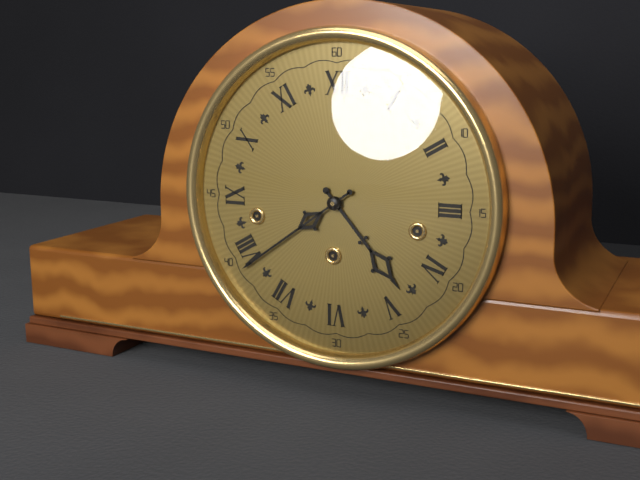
4.39
